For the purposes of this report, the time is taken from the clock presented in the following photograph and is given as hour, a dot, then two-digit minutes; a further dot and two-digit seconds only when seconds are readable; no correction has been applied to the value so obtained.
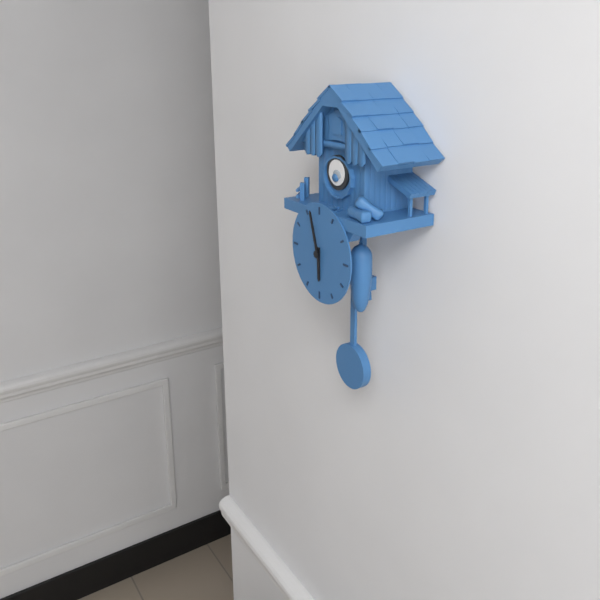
5.57
